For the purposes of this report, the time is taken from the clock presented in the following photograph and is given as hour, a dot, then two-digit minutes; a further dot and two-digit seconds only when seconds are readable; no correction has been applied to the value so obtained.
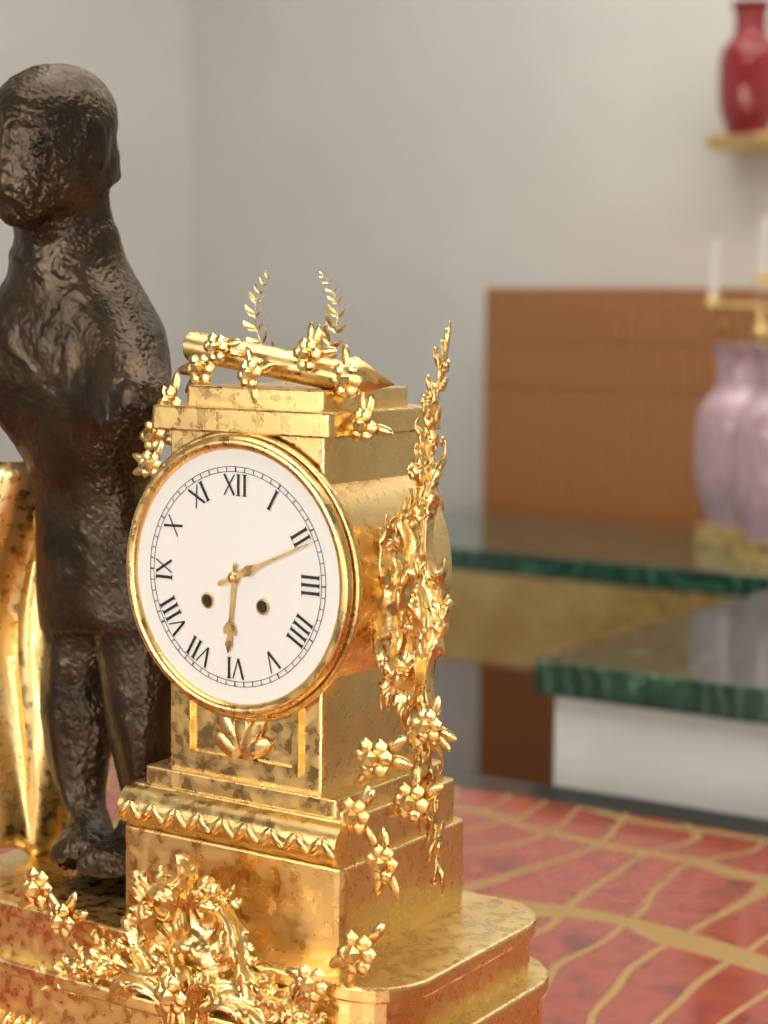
6.11
